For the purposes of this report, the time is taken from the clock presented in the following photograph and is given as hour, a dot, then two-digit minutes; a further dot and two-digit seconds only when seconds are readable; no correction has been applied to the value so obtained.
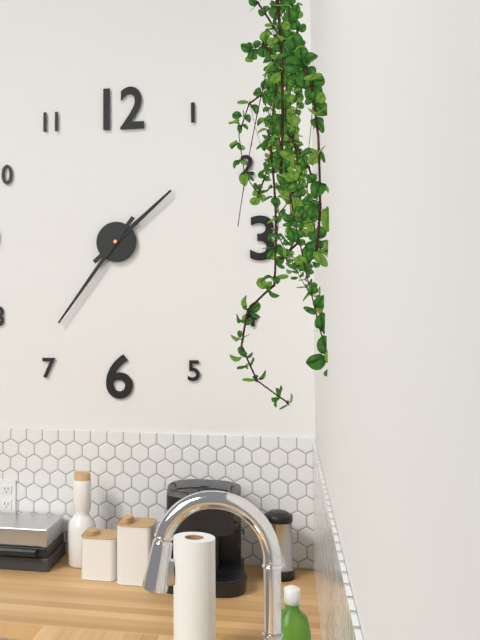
1.36
